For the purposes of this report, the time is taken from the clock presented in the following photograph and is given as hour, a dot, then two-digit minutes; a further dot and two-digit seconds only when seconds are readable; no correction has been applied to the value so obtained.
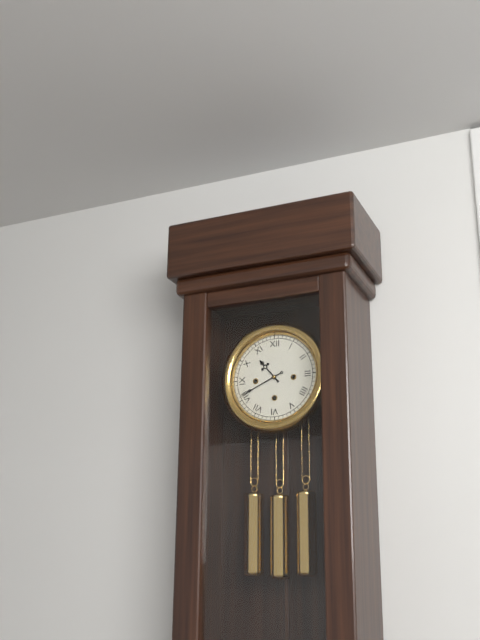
10.41
